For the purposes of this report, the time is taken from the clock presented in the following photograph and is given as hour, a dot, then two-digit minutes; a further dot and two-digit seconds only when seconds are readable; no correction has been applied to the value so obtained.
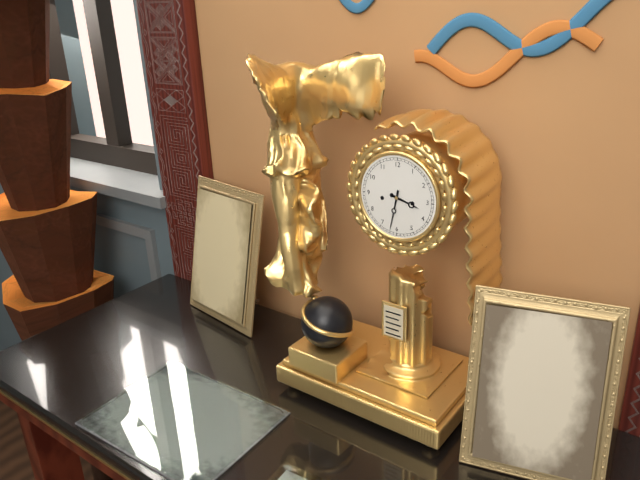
3.32
